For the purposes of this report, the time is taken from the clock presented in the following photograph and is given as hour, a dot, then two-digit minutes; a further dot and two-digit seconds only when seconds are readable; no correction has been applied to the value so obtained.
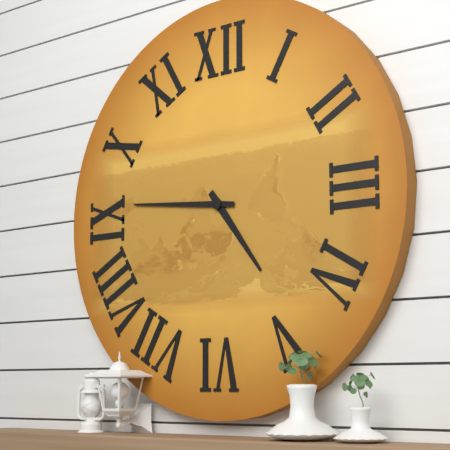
4.46
